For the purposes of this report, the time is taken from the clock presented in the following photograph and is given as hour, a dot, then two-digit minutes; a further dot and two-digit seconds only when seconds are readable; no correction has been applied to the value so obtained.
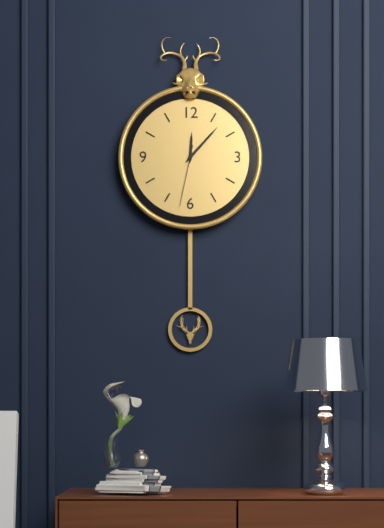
12.07.32
